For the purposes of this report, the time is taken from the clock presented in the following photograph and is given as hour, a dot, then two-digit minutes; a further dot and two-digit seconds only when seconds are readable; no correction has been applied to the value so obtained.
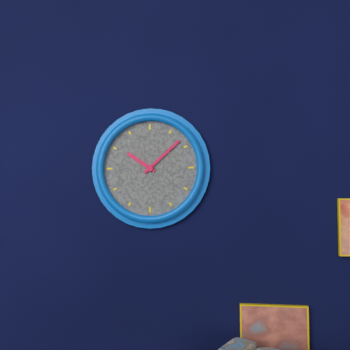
10.08
